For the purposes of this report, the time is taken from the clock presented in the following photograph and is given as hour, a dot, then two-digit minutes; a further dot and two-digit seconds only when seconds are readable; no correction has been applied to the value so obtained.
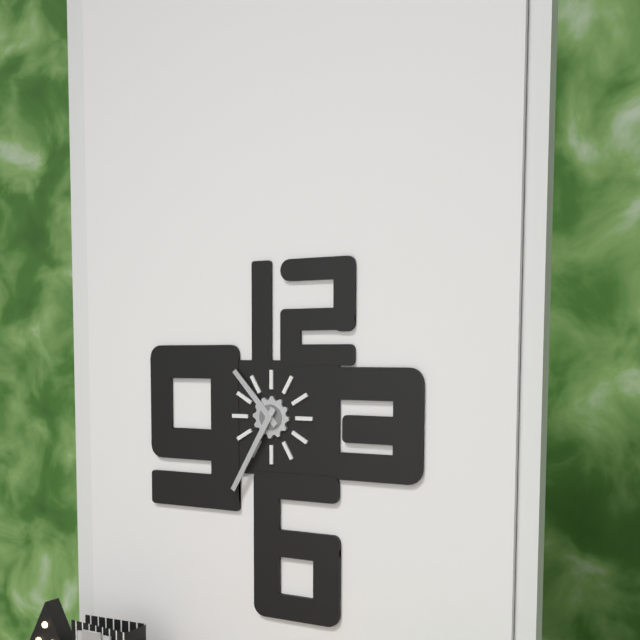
10.35
